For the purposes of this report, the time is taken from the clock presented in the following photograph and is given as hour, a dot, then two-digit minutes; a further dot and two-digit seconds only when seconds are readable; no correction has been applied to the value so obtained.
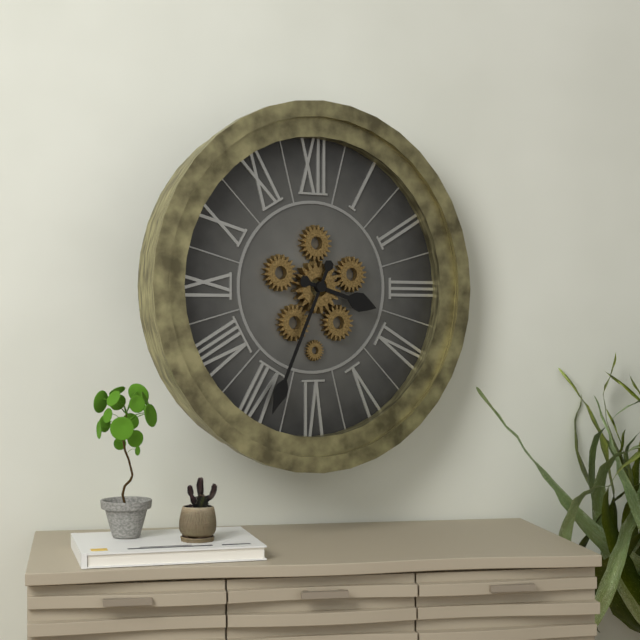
3.34
